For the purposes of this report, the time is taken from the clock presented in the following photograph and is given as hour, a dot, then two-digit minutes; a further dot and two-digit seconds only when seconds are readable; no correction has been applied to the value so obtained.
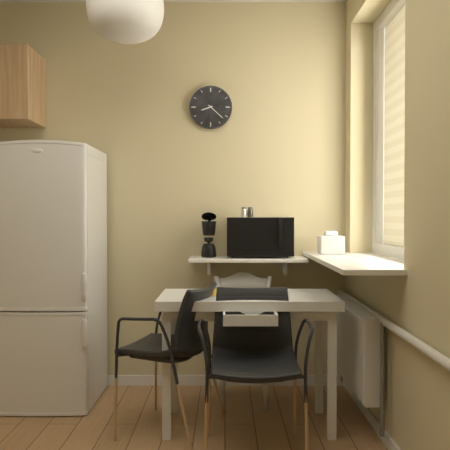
8.22
